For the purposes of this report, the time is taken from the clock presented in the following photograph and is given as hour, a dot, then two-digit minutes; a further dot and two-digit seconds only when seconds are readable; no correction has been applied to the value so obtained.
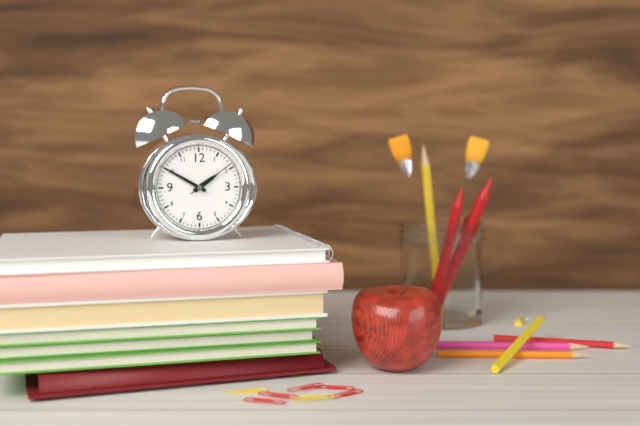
1.50.09
